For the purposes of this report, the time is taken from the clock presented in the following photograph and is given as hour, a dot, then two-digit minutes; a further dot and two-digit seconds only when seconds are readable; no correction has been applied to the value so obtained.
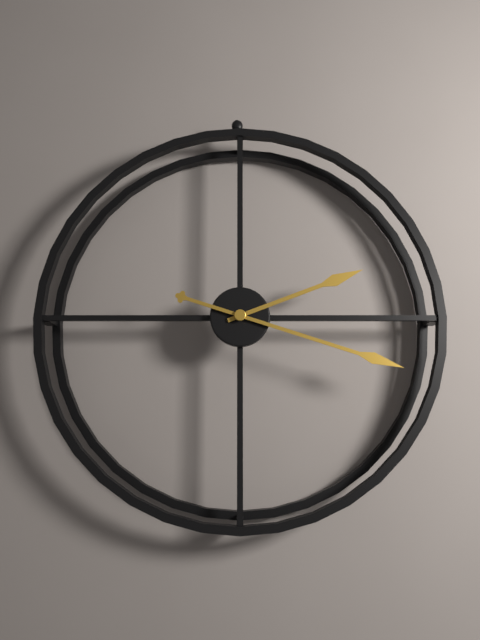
2.18
